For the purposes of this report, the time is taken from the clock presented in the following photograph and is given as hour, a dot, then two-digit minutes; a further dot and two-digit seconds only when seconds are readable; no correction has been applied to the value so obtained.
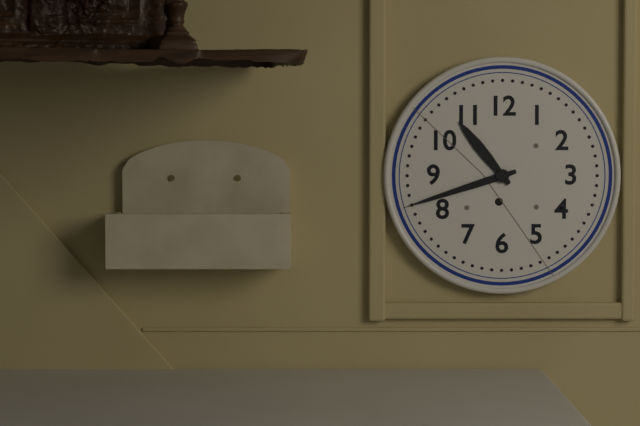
10.42
